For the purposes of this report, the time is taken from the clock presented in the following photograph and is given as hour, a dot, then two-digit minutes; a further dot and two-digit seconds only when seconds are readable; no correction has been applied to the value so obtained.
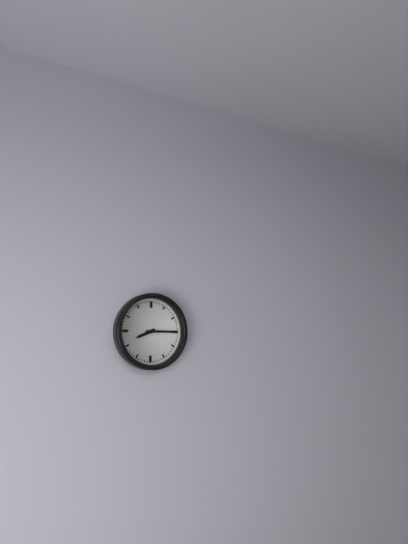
8.15
